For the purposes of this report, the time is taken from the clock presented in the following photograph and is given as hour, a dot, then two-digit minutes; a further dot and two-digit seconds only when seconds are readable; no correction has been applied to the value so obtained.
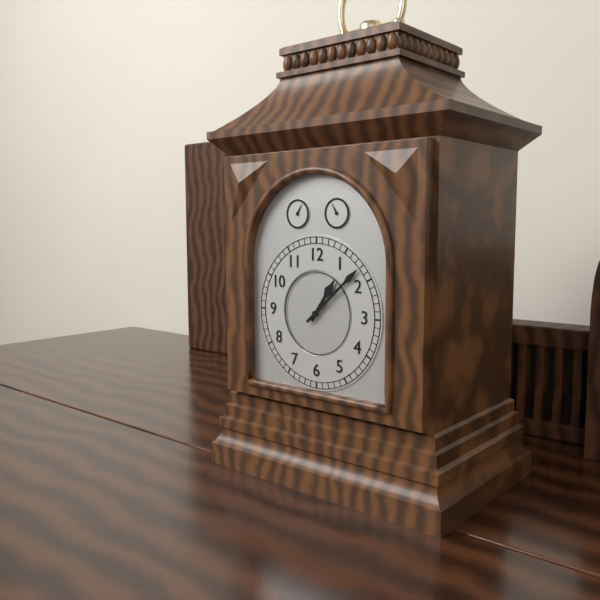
1.08
